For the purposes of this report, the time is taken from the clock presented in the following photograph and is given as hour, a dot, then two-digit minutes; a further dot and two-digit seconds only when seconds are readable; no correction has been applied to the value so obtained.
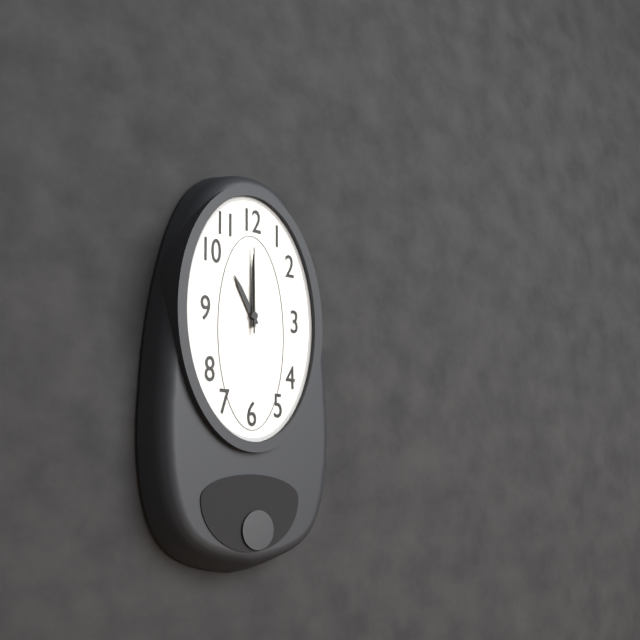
11.00.00
